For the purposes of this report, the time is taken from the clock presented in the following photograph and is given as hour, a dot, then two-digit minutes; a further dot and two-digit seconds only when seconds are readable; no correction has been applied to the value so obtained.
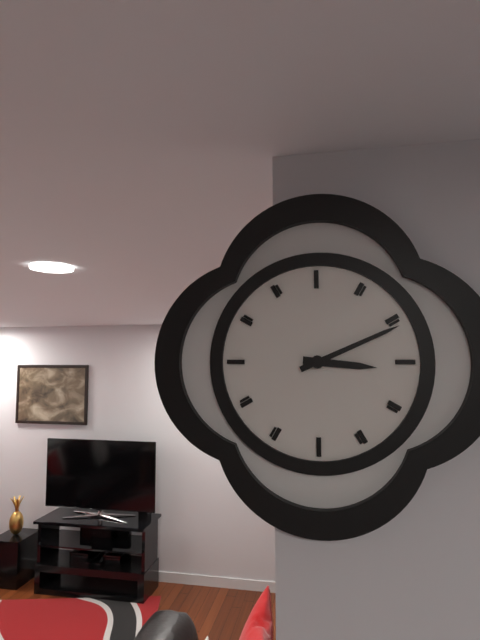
3.11
